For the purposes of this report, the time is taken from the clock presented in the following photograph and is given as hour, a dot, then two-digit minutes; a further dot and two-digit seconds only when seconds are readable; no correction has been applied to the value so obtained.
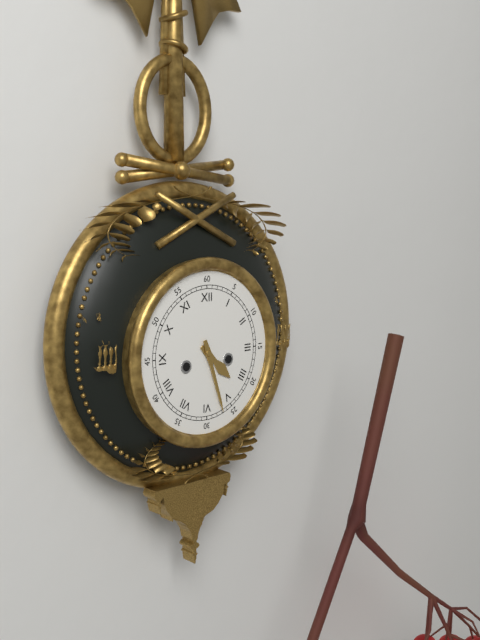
4.27
